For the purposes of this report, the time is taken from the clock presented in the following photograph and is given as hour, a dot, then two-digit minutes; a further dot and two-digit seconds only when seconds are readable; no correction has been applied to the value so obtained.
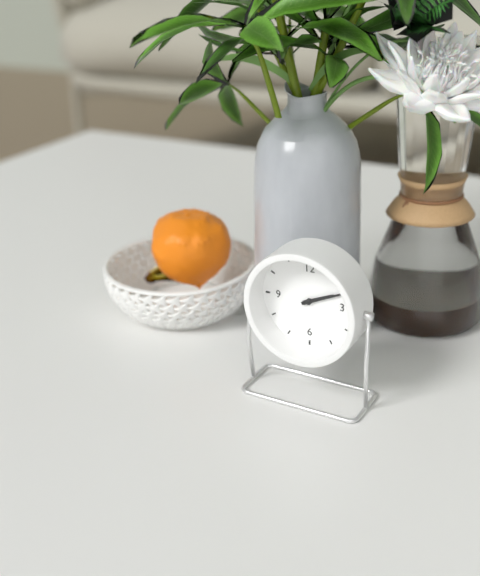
2.11
